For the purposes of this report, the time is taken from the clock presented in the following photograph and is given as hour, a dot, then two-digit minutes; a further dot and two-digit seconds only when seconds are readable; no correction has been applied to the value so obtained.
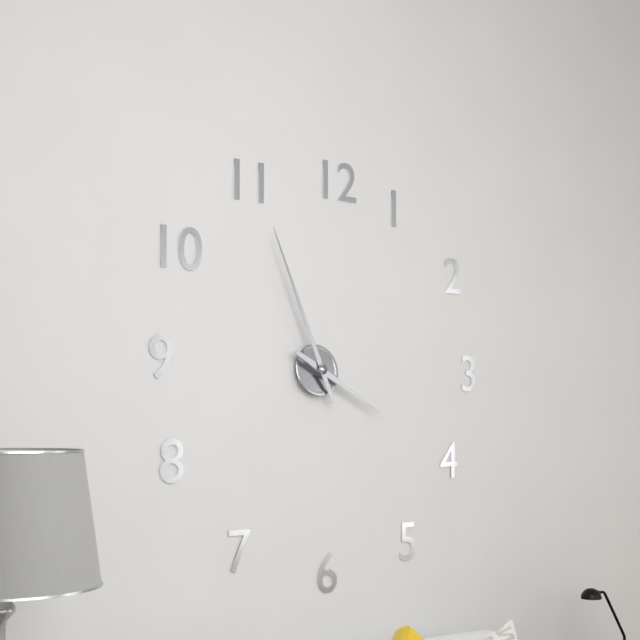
3.56
